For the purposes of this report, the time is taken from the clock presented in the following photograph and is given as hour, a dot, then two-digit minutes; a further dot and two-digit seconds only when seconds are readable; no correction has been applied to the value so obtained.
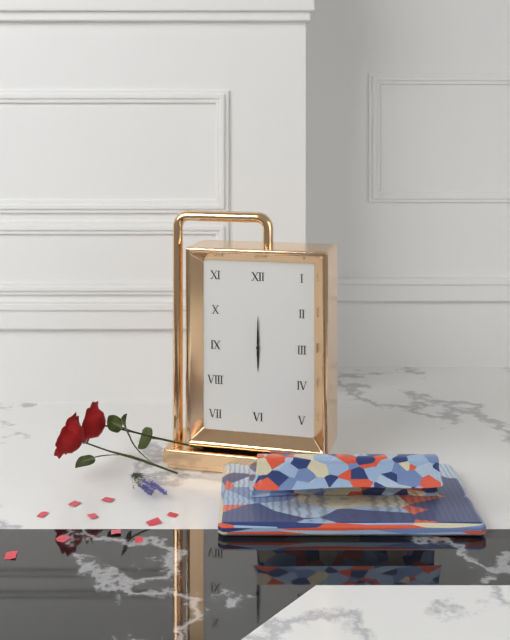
6.00
